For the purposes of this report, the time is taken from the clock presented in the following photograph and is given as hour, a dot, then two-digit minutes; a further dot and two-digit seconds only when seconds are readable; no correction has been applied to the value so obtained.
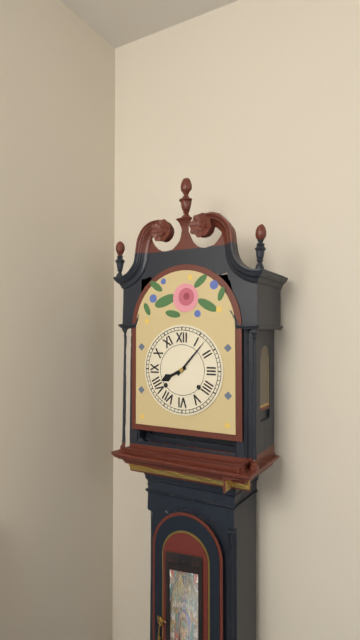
8.07
